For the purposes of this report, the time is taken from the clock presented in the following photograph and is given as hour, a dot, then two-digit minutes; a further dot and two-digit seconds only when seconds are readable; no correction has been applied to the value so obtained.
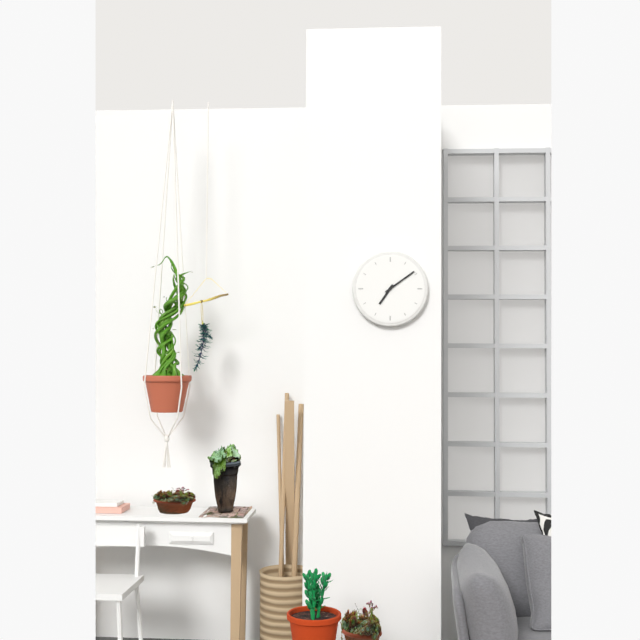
7.09
